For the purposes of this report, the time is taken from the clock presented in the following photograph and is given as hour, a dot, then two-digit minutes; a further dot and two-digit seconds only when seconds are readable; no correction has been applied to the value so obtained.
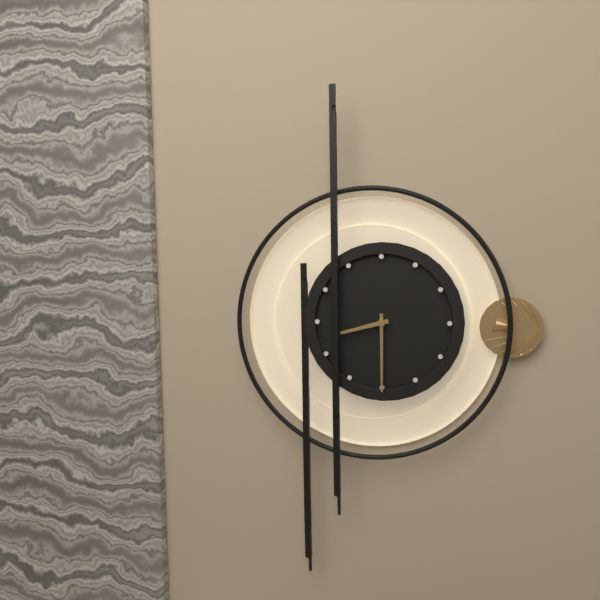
8.30
